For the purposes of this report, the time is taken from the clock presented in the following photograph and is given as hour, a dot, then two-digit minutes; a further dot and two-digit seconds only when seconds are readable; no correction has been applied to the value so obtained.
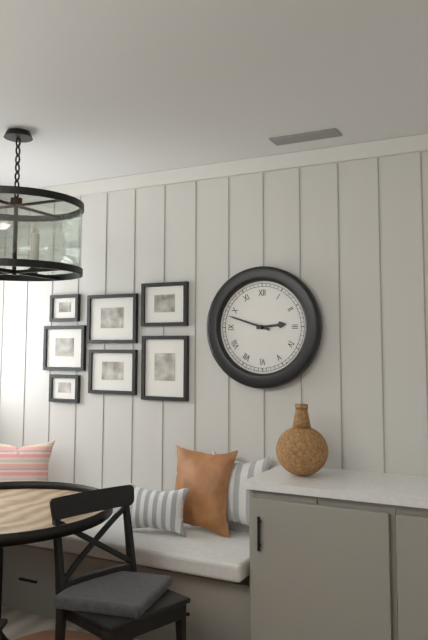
2.48
